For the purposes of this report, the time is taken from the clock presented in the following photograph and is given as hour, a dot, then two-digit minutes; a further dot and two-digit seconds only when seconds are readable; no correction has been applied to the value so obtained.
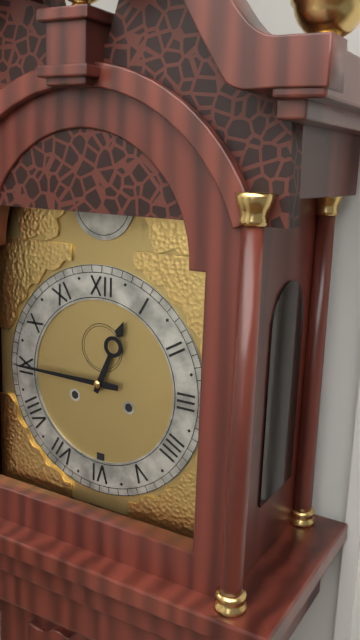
12.45
